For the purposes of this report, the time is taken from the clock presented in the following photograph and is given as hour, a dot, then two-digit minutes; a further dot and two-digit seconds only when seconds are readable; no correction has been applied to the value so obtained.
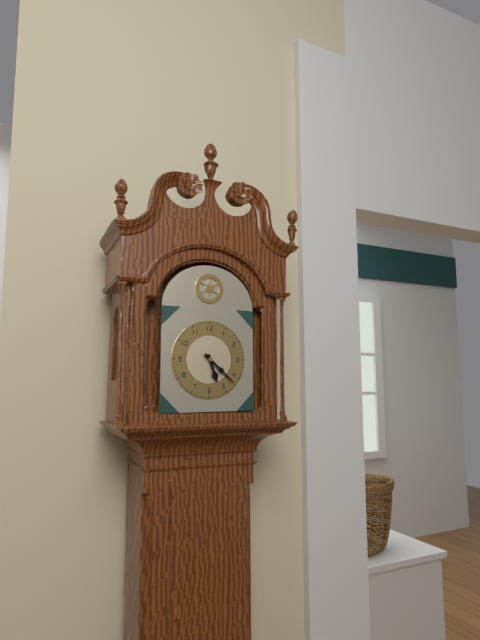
5.22
